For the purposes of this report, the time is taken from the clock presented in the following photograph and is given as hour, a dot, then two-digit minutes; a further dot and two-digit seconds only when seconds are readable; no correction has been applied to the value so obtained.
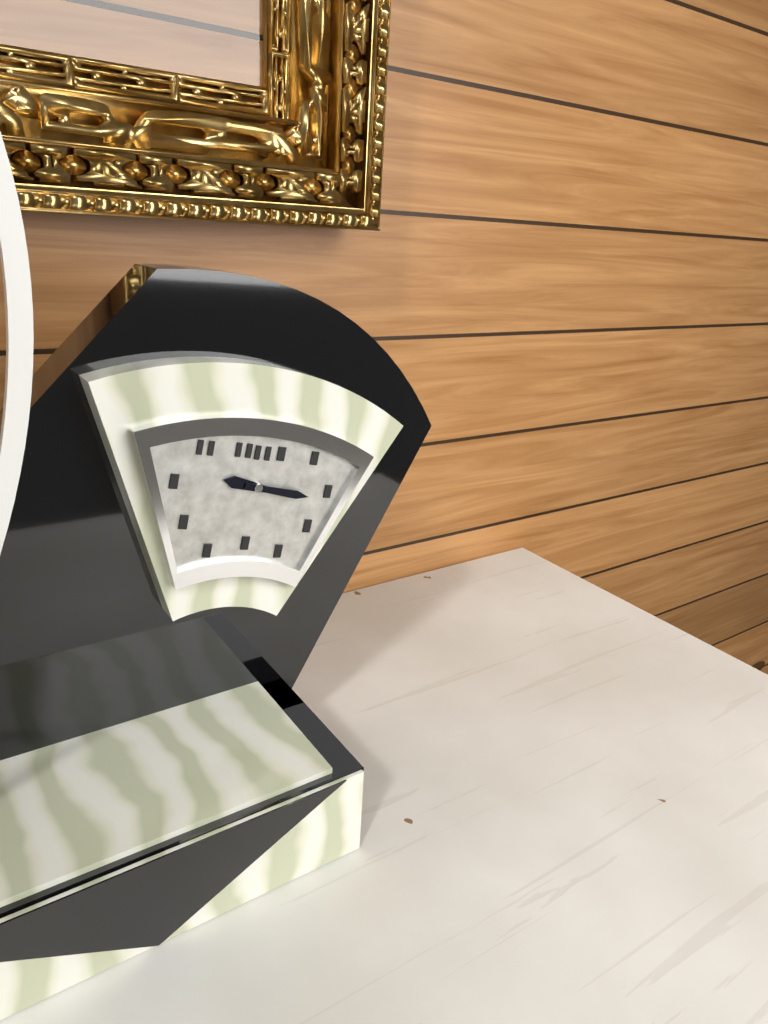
9.16
